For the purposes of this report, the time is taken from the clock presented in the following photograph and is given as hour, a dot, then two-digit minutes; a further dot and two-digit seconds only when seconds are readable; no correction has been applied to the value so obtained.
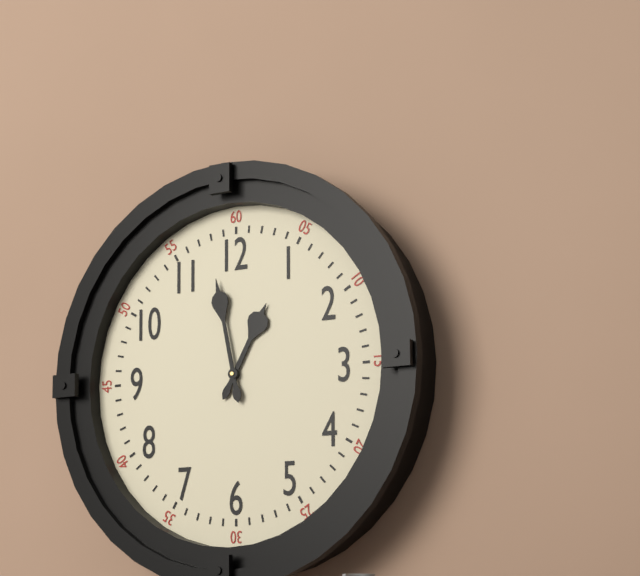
12.58
